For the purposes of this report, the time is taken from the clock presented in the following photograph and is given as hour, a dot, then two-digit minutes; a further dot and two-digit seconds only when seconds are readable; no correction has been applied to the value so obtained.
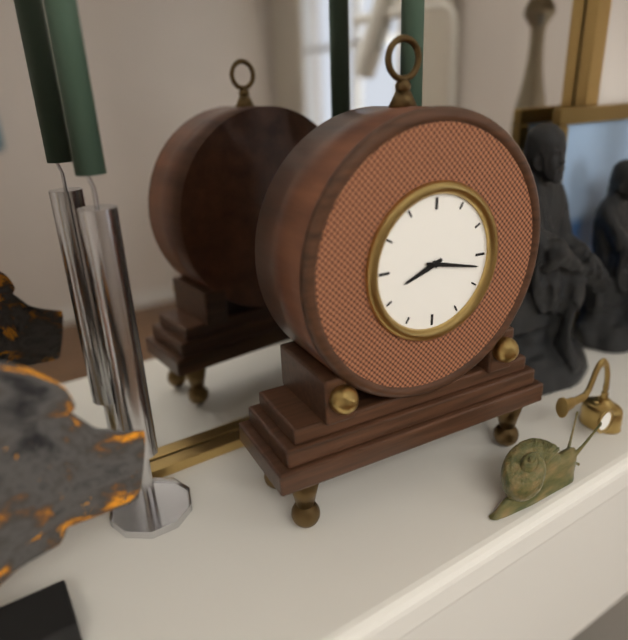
8.17
